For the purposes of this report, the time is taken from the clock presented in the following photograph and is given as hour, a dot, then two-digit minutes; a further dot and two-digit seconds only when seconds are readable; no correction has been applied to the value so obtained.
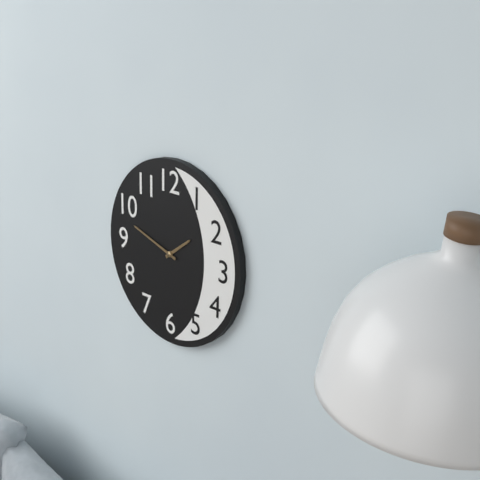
1.48
